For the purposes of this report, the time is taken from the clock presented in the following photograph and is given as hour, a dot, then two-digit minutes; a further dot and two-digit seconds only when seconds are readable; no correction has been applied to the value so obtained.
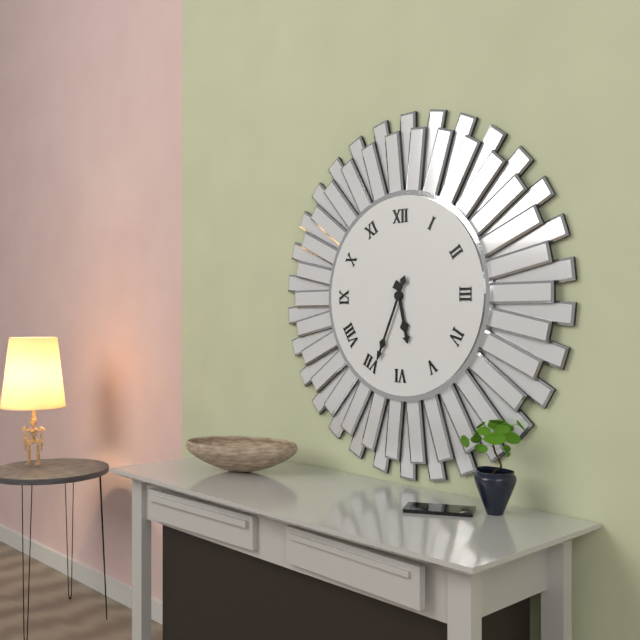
5.34
